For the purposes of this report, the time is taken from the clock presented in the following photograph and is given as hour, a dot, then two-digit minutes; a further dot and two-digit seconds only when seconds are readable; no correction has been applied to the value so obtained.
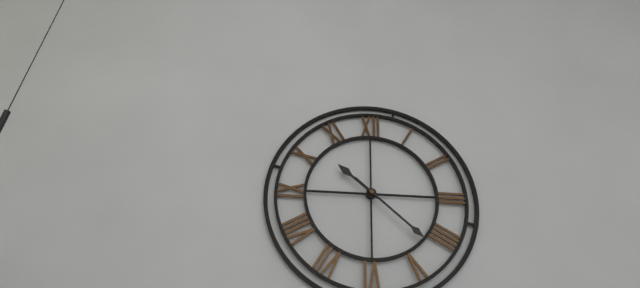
10.22
